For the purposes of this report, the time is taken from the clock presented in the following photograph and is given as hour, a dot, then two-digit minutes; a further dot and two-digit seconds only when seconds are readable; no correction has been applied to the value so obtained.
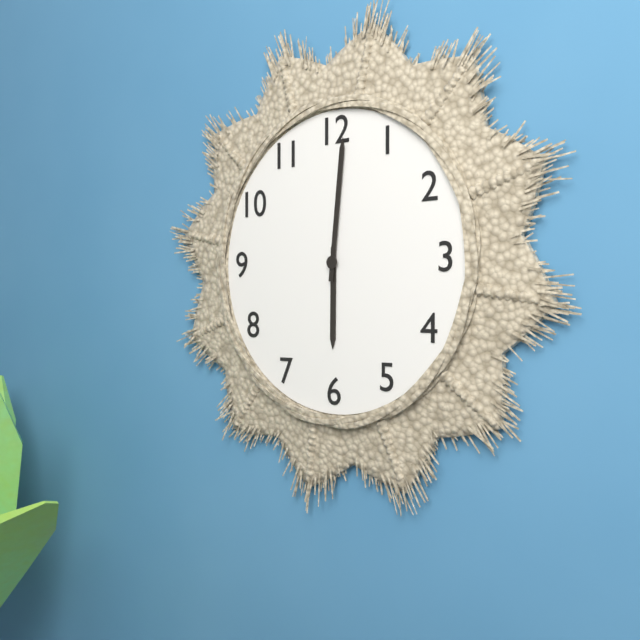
6.01
